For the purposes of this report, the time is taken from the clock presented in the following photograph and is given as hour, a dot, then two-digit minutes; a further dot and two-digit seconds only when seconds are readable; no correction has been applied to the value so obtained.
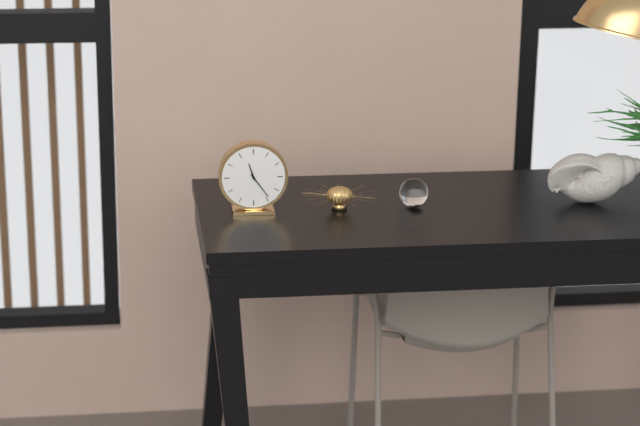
11.24
